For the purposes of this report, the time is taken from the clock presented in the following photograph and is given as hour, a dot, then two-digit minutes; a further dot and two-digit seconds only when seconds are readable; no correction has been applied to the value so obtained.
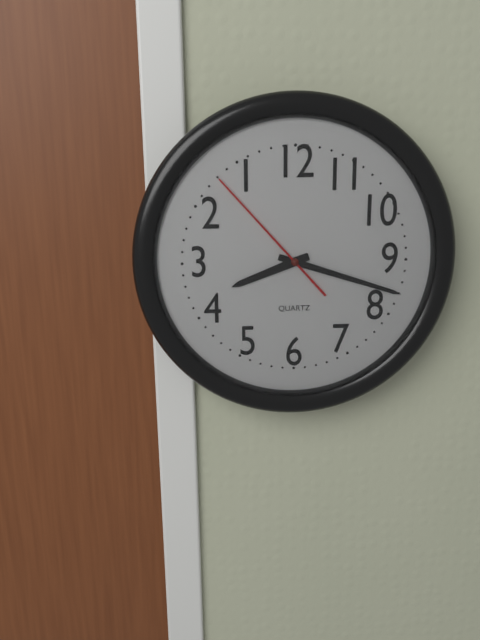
8.18.53
